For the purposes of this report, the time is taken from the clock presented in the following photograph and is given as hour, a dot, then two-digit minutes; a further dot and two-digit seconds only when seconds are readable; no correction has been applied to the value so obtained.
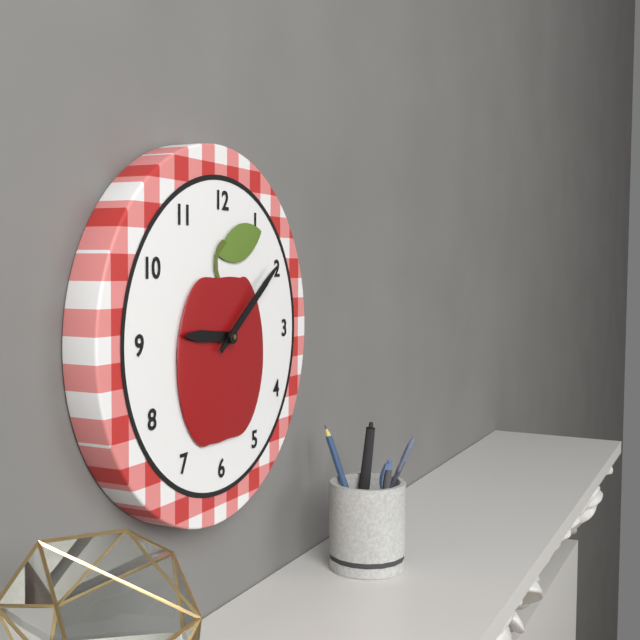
9.09
